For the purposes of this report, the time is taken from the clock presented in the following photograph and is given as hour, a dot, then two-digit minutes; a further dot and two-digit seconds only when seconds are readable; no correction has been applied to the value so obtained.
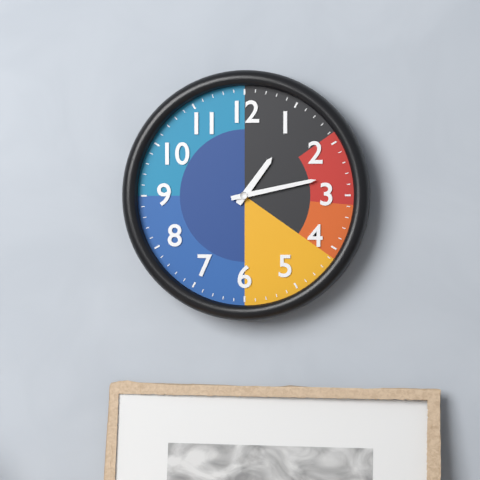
1.13
